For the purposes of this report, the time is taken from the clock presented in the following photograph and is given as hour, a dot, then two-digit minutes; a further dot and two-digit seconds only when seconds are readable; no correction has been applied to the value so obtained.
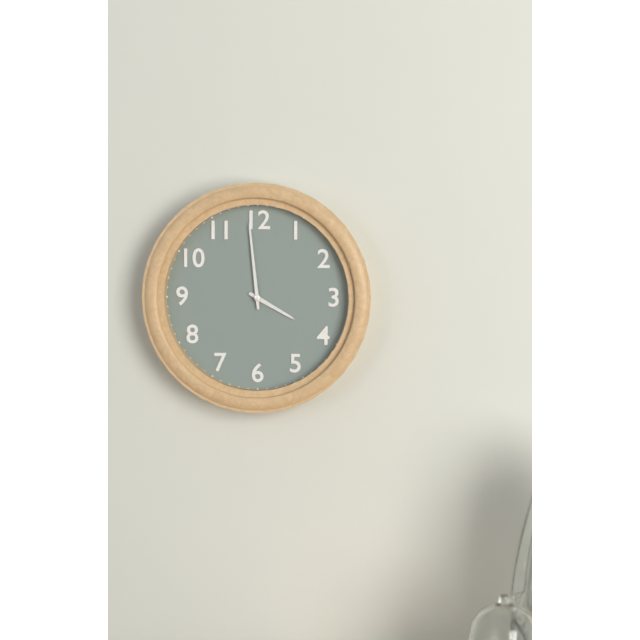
3.59
